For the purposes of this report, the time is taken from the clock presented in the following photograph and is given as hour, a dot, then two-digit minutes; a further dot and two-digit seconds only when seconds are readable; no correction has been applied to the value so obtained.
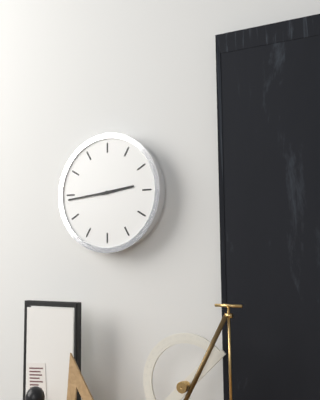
2.44
